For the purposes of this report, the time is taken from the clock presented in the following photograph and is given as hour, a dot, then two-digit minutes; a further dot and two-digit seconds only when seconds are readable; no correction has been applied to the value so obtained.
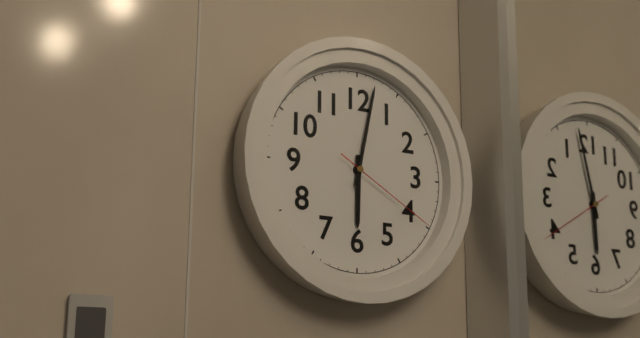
6.02.20
